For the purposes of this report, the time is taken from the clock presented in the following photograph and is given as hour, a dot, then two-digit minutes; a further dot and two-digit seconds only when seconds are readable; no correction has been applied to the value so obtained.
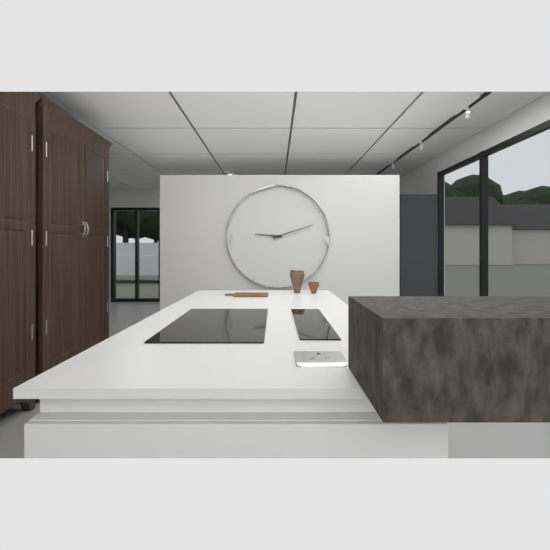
9.12
